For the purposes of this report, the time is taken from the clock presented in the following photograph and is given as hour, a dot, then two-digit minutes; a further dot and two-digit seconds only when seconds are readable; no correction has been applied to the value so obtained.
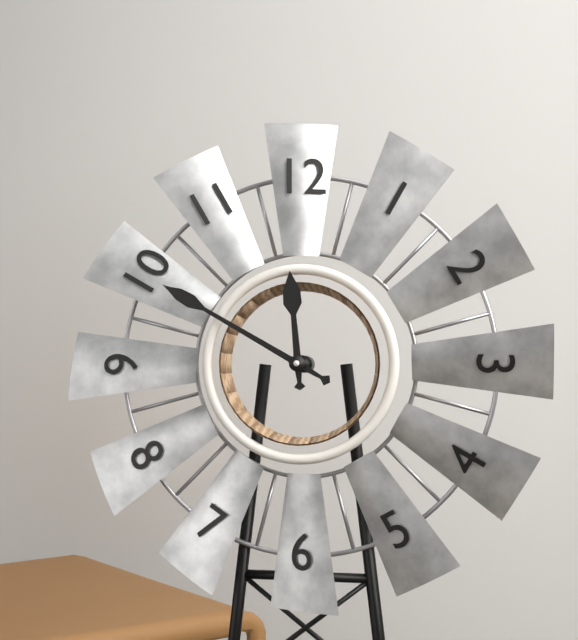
11.50
